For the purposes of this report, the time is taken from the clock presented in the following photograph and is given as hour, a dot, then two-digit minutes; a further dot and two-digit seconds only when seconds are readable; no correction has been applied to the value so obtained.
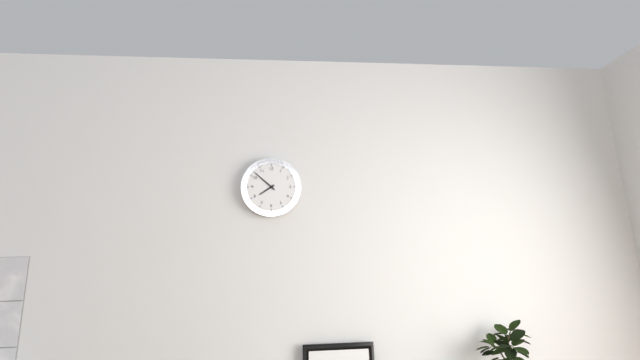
7.52
